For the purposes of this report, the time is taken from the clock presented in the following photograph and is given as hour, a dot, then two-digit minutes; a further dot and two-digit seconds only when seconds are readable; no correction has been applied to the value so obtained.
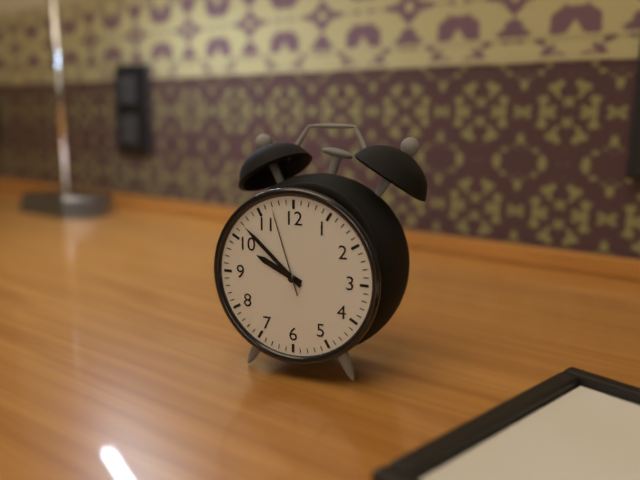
9.52.57
